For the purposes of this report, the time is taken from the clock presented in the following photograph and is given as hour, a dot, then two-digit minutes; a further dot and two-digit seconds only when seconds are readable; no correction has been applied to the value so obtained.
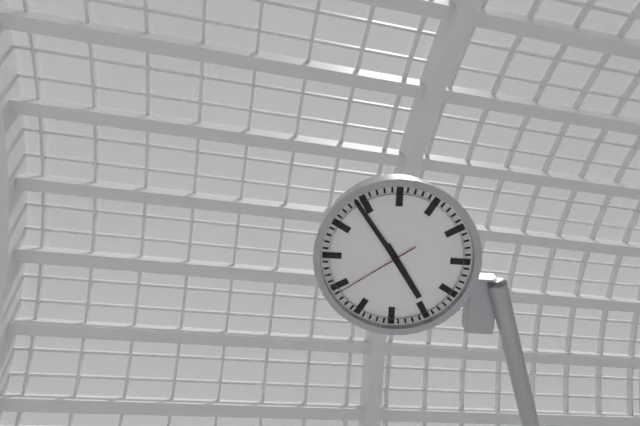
4.54.39
